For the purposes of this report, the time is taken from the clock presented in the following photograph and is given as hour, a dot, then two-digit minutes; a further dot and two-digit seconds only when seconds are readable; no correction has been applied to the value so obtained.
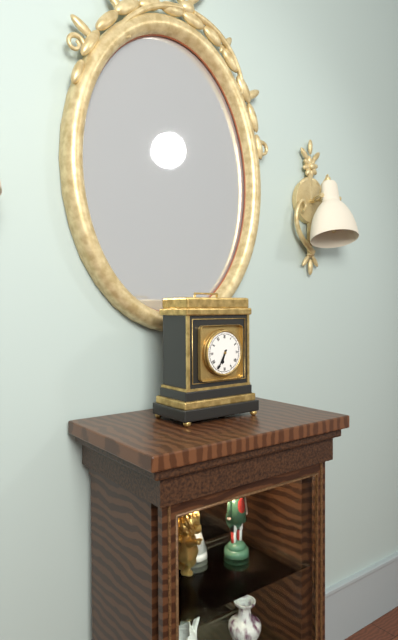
6.35
